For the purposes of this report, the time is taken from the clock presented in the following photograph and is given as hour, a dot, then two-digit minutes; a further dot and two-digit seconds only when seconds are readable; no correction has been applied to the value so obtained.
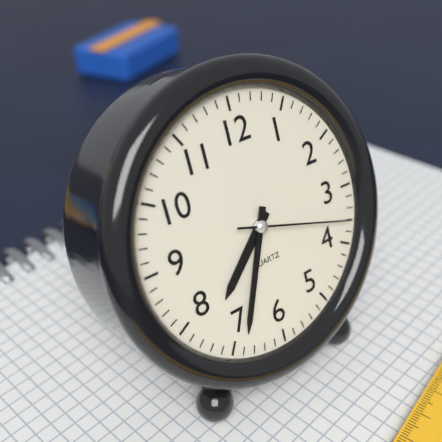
7.34.18
